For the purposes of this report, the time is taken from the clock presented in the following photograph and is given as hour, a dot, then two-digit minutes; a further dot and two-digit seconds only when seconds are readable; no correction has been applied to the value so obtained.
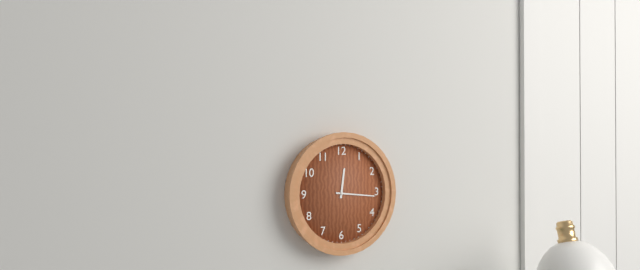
12.16
